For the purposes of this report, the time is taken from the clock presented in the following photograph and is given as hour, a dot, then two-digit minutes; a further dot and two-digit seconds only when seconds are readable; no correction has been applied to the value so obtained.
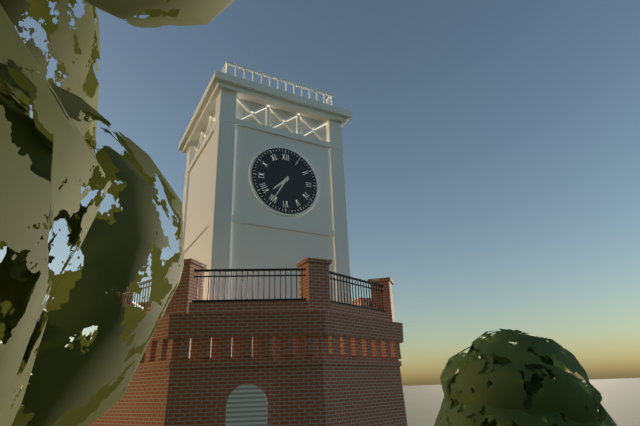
7.35
